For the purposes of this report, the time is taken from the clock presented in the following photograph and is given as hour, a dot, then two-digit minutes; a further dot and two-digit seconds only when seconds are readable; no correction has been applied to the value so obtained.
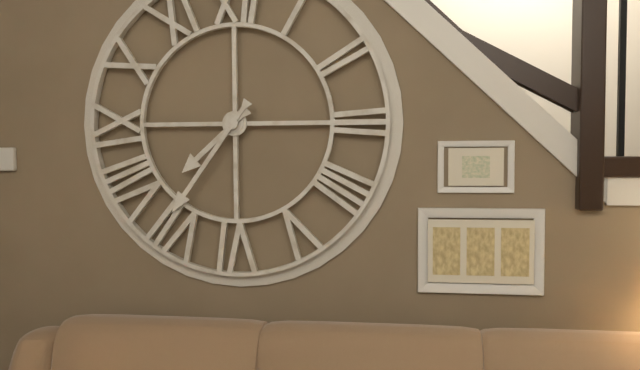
7.36
